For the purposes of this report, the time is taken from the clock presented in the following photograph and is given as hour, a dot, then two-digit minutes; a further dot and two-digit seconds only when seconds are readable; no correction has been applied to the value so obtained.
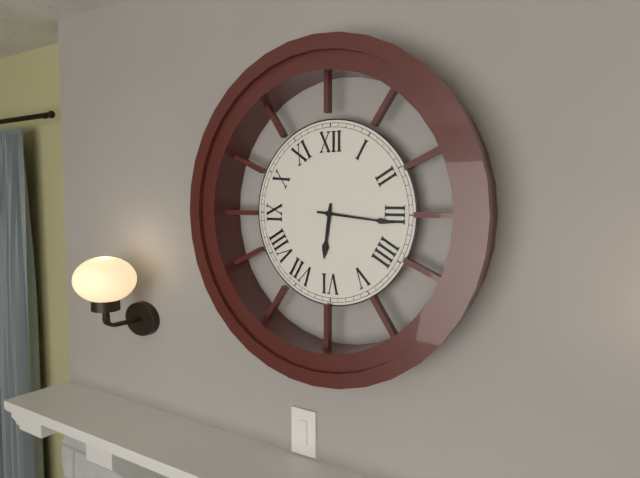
6.16
